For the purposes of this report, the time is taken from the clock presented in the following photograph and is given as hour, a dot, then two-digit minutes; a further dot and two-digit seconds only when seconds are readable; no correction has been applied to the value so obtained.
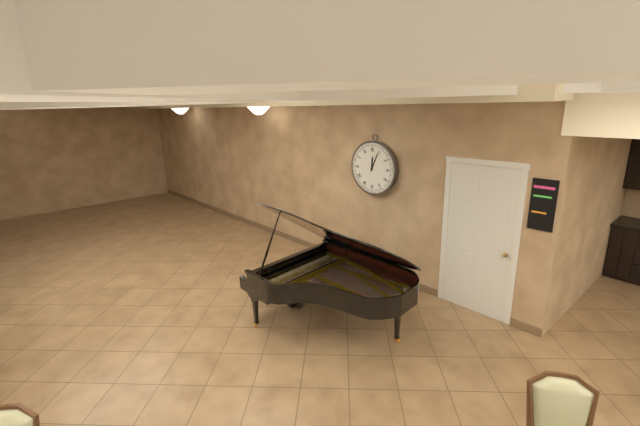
12.04
